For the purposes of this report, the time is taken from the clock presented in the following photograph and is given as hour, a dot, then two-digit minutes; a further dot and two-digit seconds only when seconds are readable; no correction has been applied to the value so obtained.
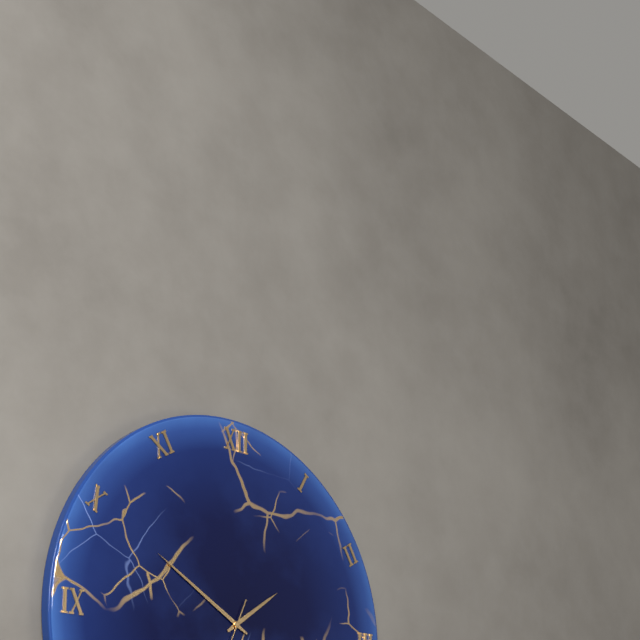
1.50
